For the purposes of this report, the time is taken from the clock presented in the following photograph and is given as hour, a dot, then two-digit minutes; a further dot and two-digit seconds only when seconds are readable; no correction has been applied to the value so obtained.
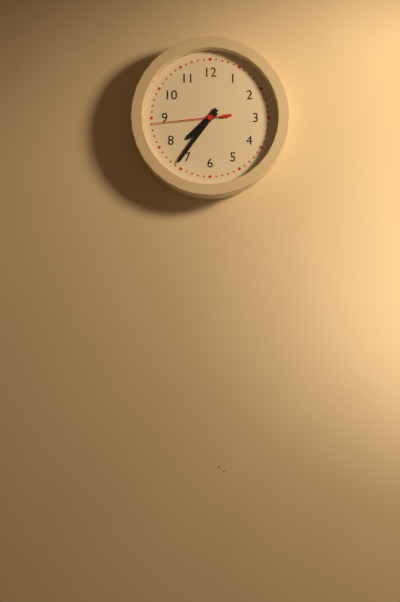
7.36.44
